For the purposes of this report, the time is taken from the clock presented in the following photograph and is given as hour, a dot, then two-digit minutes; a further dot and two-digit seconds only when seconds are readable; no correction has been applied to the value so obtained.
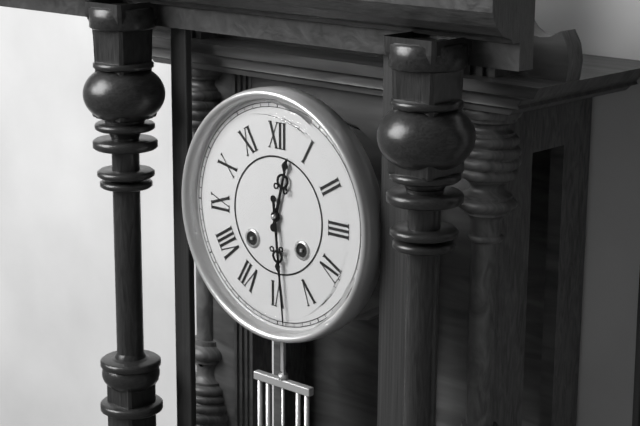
12.29
